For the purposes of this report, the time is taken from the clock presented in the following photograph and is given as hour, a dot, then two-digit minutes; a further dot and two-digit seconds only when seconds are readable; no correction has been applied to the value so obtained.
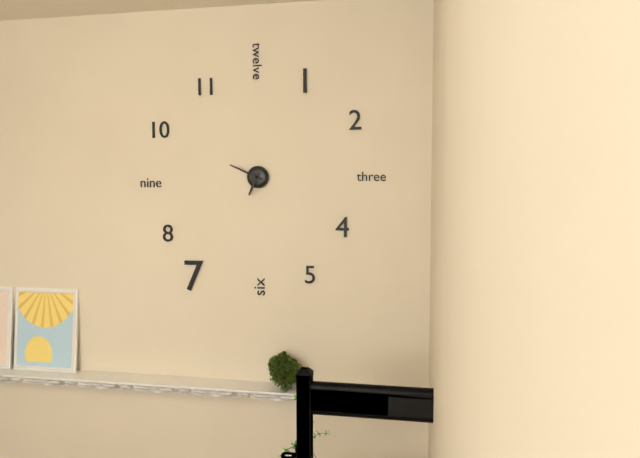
6.49
